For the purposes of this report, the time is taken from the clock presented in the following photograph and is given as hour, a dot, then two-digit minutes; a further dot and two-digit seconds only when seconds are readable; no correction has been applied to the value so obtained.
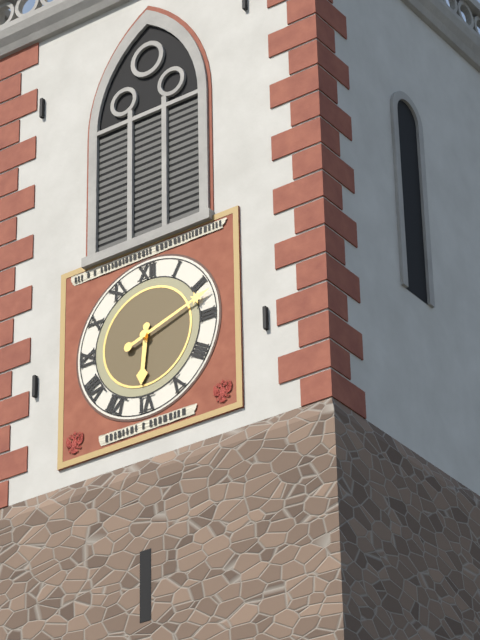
6.12
